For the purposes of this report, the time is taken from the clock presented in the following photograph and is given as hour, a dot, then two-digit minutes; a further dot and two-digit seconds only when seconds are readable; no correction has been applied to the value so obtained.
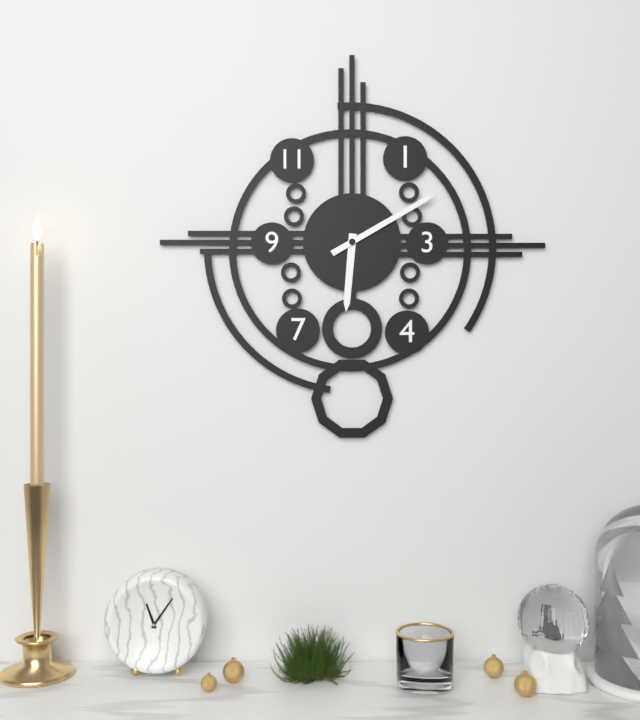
6.10
